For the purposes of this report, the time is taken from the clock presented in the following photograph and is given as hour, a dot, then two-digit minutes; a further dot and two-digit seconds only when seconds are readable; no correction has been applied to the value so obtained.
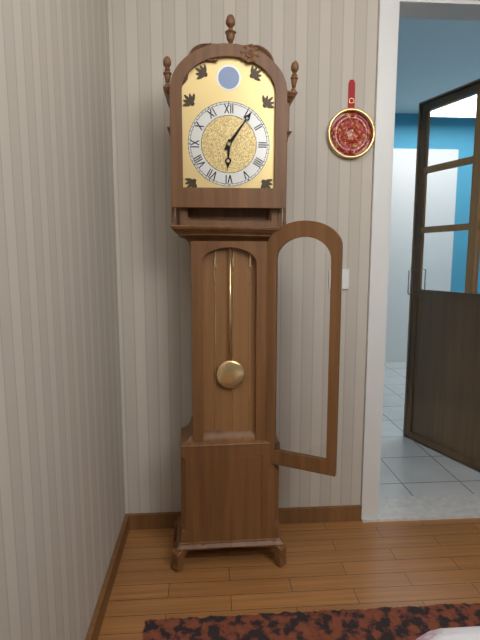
6.06
